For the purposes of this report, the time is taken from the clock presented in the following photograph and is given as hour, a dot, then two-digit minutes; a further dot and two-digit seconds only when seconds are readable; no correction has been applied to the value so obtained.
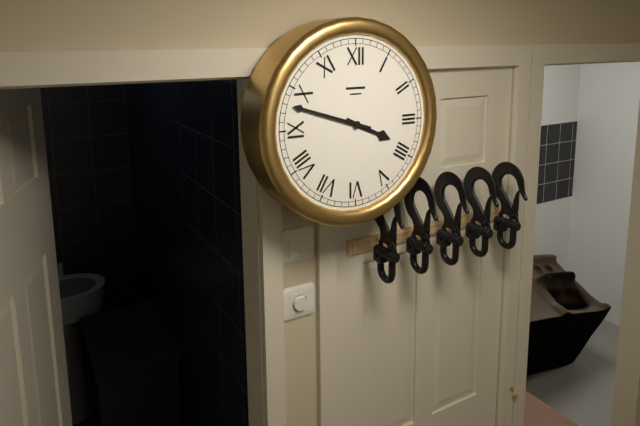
3.48
